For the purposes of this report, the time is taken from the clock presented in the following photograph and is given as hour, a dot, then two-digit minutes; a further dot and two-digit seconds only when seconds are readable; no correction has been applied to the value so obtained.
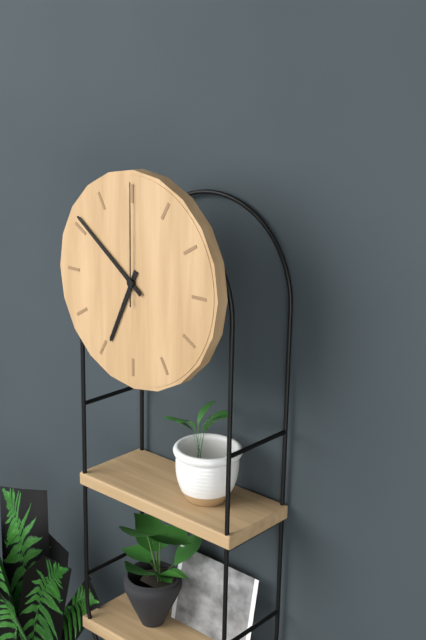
6.51.00
